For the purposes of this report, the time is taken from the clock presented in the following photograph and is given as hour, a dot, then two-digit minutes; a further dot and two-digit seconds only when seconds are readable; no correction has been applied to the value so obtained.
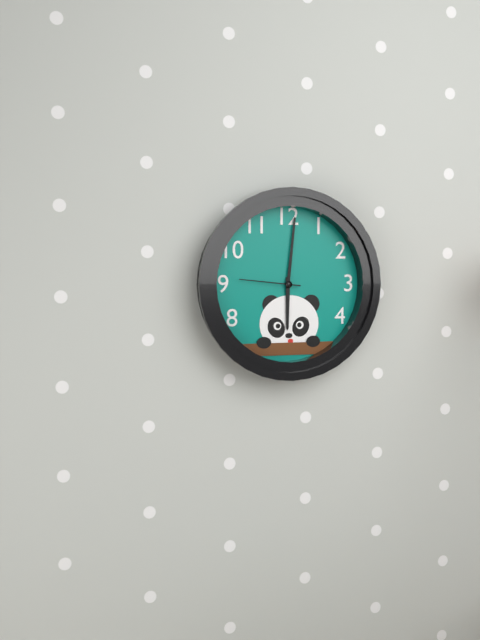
6.01.46
